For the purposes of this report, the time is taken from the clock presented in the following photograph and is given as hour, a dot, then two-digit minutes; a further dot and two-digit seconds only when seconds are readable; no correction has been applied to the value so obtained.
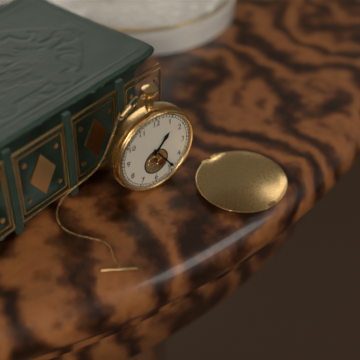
1.24
